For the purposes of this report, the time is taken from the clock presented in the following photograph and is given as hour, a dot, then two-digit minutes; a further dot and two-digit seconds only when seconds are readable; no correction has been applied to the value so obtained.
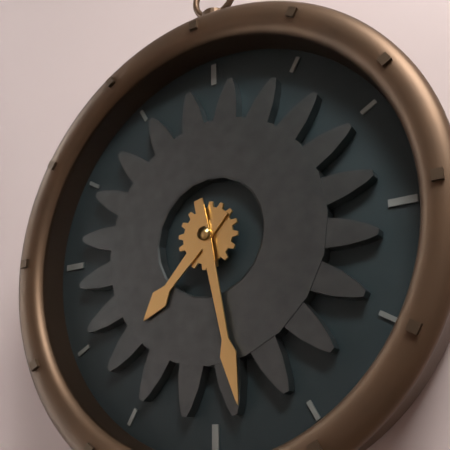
7.28
